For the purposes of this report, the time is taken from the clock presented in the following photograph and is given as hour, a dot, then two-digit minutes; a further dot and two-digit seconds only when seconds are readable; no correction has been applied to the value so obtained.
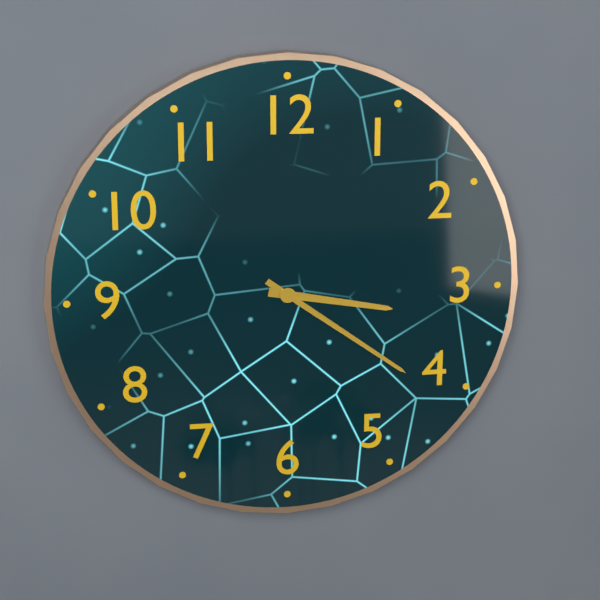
3.21
